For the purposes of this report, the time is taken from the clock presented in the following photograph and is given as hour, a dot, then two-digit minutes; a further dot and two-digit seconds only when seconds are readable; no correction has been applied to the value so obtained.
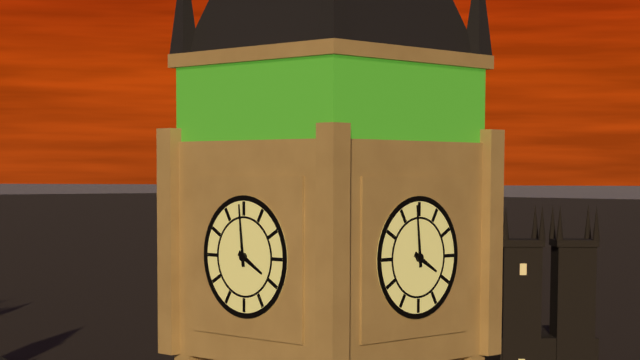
3.59
